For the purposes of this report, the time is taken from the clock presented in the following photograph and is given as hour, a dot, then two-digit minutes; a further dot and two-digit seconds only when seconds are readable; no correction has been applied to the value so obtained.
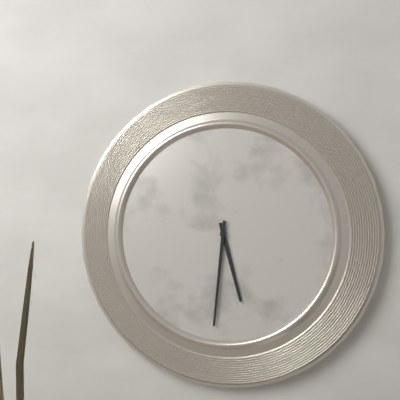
5.31
